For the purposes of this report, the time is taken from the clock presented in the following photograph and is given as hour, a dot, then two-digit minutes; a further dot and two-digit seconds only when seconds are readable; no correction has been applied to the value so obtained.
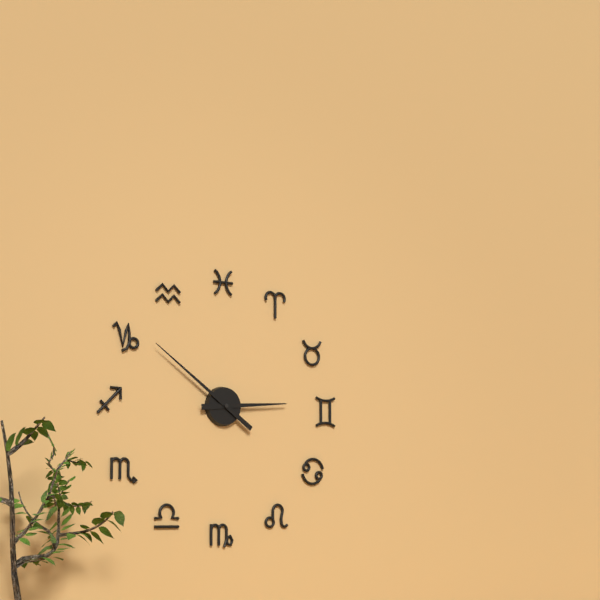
2.51
